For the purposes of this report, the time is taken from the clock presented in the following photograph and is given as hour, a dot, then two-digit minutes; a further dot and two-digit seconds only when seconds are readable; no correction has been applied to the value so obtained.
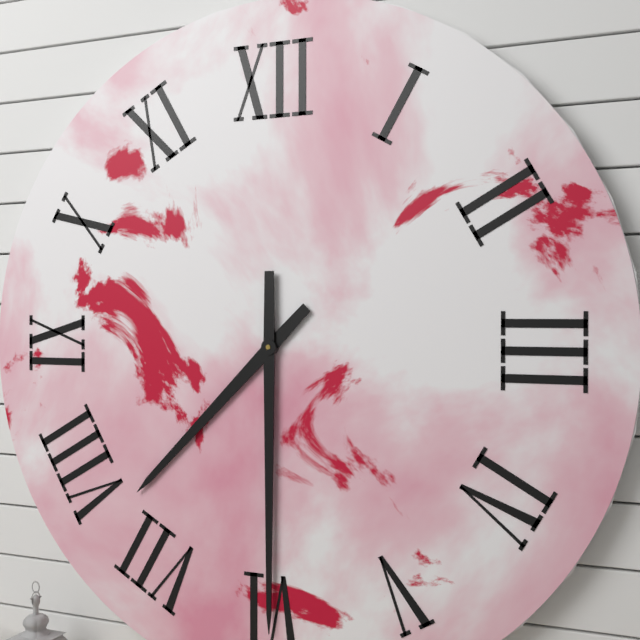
7.30
